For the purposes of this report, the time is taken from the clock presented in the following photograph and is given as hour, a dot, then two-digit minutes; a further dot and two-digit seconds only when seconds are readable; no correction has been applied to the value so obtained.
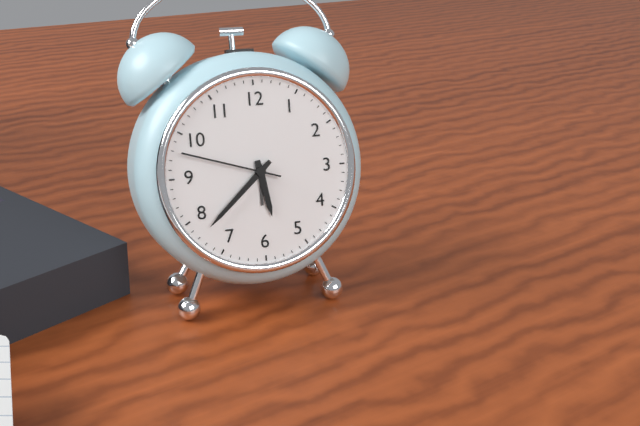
5.38.48
